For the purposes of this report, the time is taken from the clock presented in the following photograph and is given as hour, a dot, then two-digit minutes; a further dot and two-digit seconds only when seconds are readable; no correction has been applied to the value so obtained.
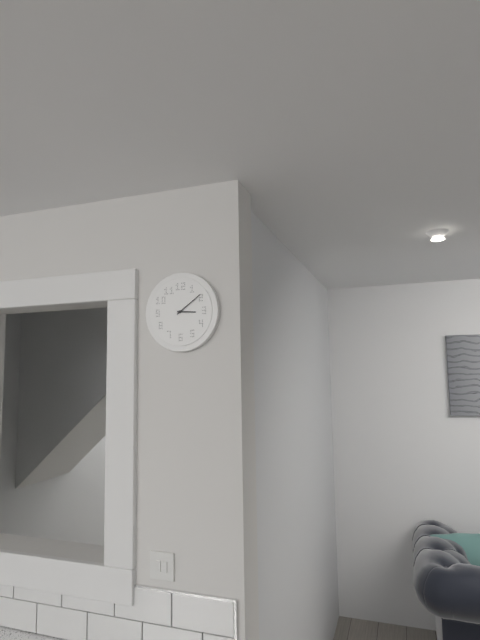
3.09
